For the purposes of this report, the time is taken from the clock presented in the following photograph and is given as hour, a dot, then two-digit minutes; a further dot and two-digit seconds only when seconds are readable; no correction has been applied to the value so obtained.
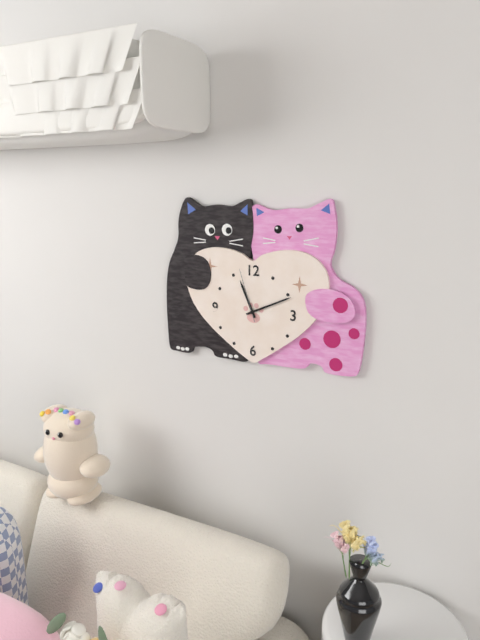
11.11.57
